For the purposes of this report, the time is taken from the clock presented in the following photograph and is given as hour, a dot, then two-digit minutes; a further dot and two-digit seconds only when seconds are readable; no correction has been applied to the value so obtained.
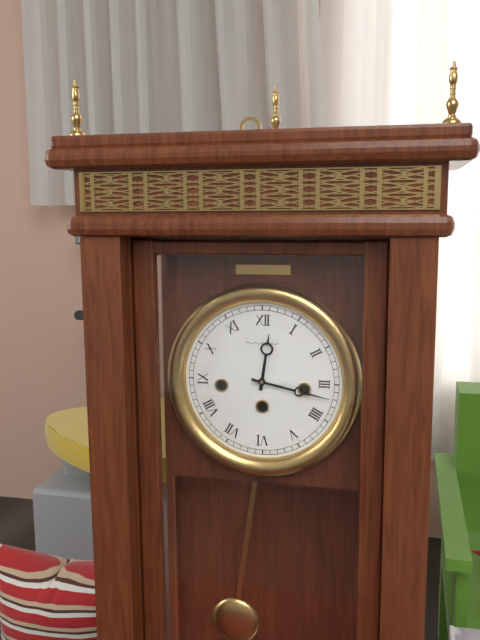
12.17
